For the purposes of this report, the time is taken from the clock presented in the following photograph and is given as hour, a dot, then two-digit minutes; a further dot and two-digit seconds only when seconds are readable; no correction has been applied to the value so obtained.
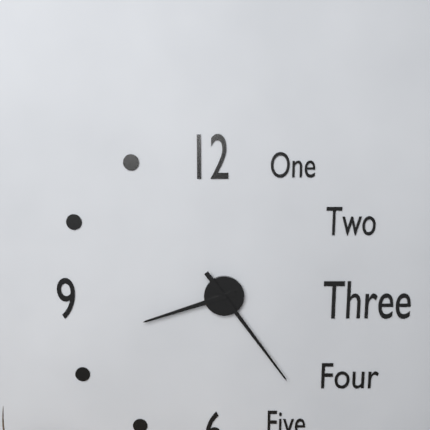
8.24
